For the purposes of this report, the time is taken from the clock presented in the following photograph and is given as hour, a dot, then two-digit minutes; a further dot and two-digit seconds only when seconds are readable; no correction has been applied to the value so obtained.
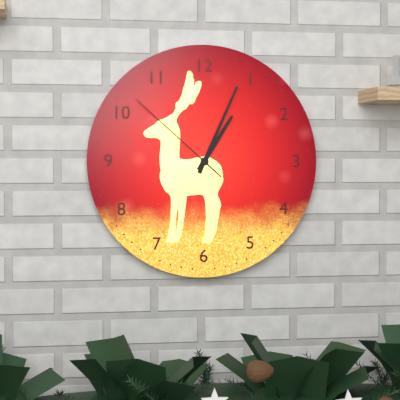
1.04.52
